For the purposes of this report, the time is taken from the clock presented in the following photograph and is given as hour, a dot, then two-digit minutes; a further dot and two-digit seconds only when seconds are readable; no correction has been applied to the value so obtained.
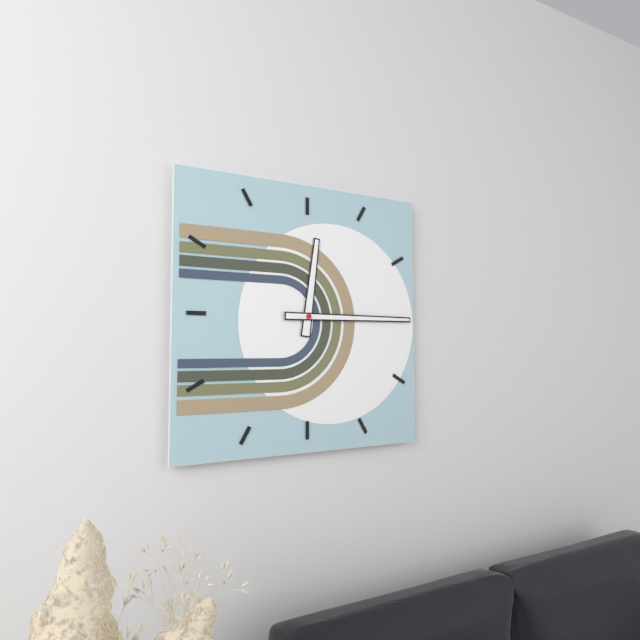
12.15
